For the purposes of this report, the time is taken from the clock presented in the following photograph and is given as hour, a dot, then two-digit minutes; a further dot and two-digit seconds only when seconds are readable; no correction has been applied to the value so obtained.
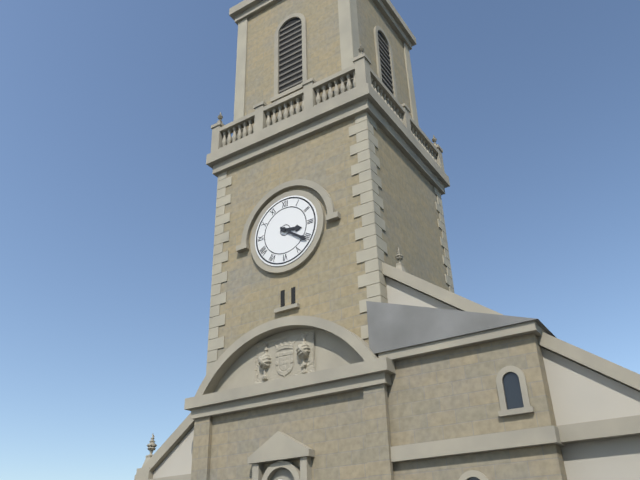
3.21
